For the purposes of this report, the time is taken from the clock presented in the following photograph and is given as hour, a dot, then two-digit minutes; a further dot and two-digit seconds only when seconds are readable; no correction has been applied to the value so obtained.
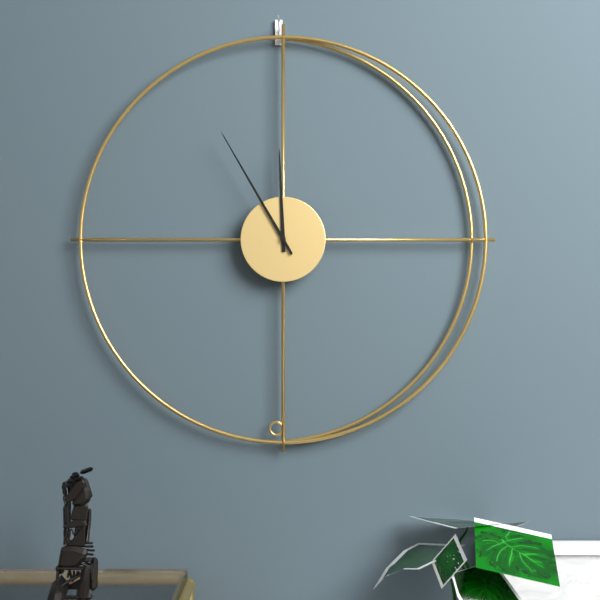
11.55
